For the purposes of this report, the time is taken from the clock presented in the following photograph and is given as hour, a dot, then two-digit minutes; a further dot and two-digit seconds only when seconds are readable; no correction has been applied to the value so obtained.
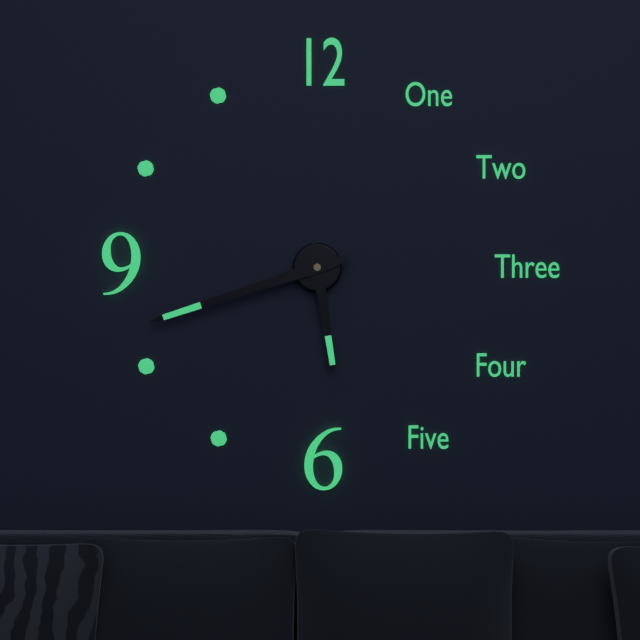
5.42
